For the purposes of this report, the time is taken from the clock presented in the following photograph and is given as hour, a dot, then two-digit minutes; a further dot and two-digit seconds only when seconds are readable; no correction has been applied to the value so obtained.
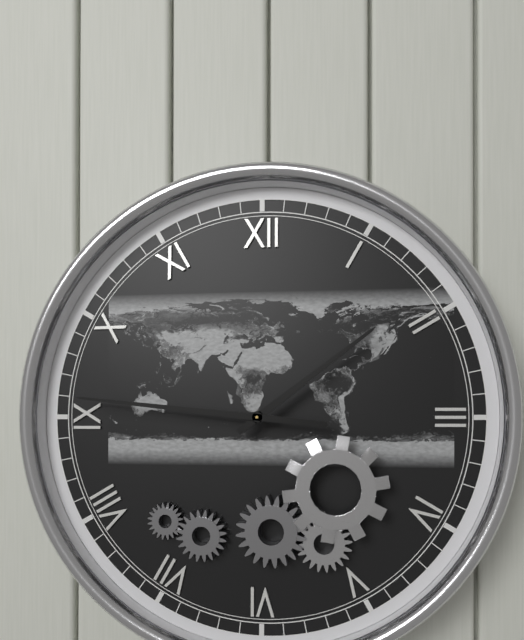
1.46
